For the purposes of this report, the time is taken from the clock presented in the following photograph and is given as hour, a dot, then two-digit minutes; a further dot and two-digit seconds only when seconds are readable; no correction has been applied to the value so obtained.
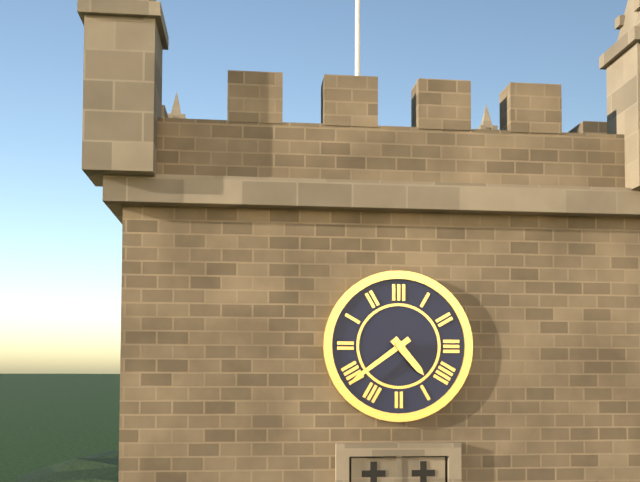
4.39
